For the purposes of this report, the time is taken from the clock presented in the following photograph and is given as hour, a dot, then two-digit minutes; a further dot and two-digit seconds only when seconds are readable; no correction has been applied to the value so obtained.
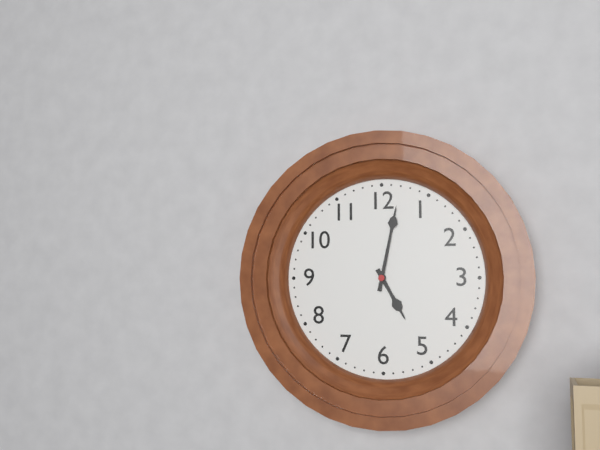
5.02
